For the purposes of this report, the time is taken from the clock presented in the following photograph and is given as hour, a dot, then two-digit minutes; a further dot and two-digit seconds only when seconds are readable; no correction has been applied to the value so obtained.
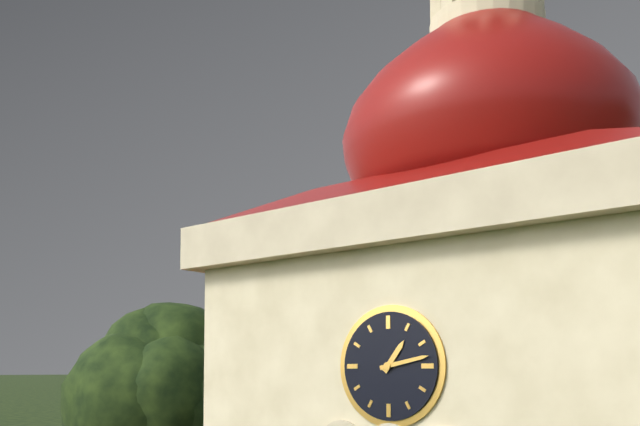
1.13
